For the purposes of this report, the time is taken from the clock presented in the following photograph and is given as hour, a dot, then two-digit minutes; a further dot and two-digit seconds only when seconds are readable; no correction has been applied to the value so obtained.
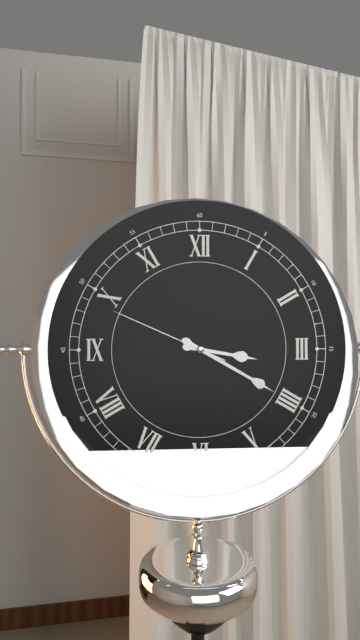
3.20.49
